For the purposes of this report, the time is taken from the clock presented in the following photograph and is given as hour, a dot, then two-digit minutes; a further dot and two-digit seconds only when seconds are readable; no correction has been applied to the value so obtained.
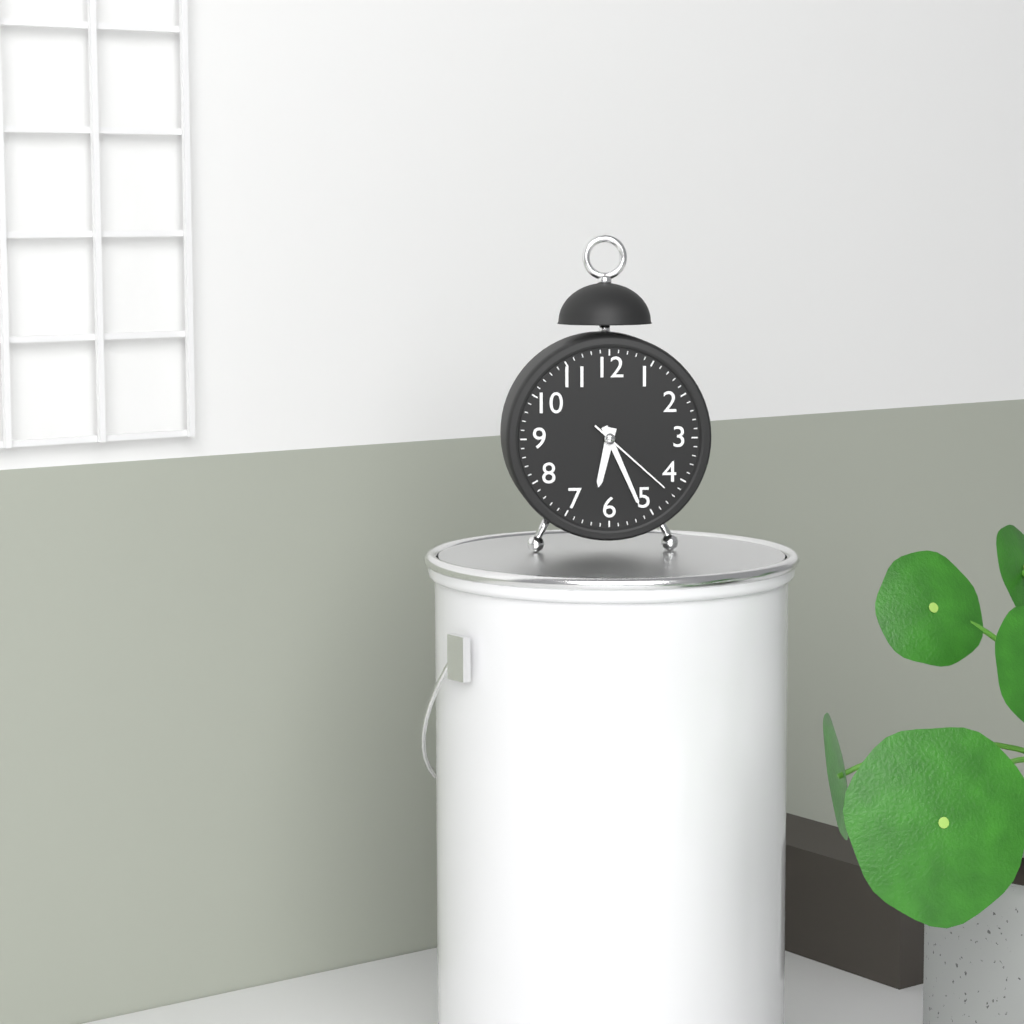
6.26.22
